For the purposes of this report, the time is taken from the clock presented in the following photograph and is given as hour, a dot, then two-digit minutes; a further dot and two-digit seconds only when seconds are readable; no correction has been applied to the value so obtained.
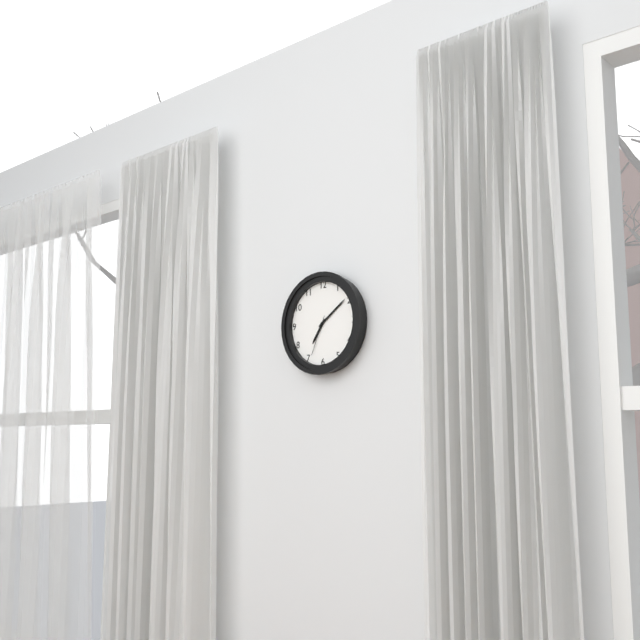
7.09
